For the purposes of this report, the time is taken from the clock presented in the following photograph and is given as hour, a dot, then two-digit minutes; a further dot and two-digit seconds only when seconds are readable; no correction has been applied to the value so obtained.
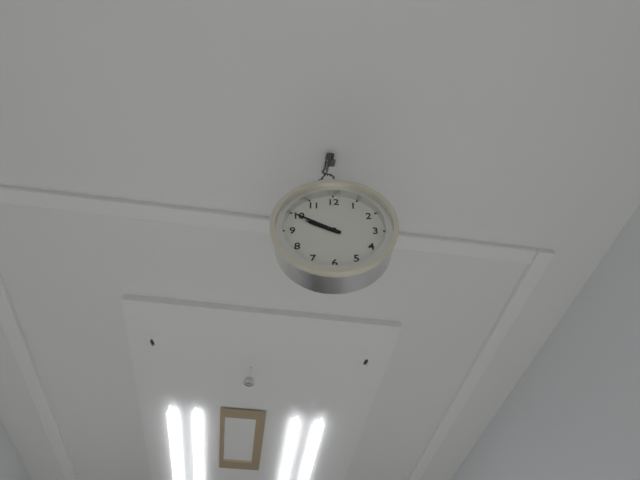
9.50
